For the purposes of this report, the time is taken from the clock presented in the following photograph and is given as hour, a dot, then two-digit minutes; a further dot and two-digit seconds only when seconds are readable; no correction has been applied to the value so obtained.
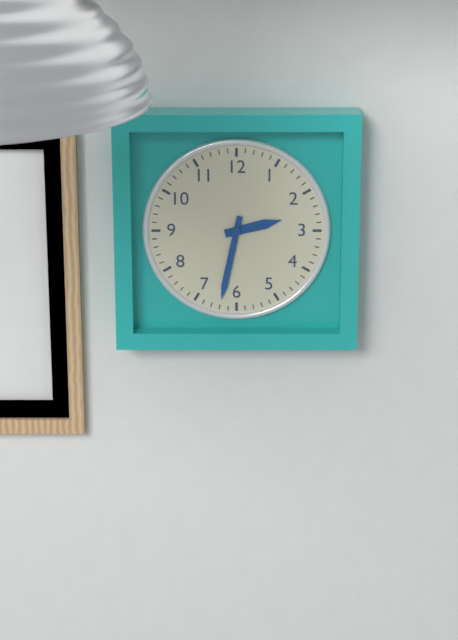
2.32
